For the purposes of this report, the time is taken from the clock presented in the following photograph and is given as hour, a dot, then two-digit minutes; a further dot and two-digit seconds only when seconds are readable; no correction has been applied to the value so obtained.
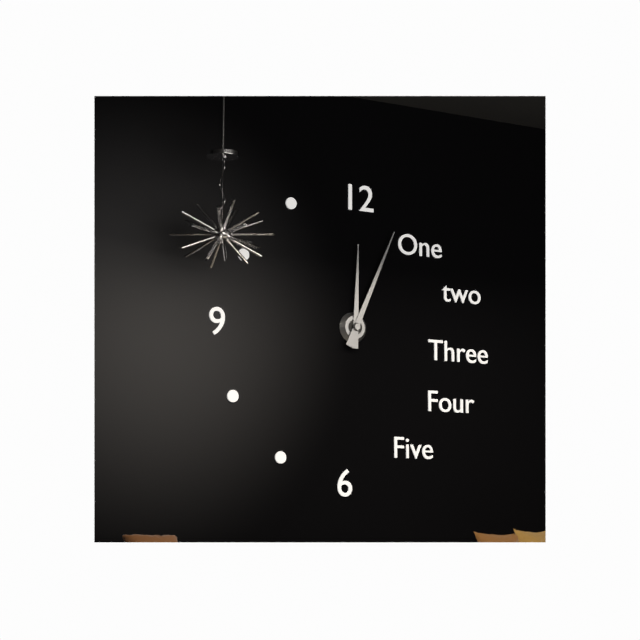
12.04
